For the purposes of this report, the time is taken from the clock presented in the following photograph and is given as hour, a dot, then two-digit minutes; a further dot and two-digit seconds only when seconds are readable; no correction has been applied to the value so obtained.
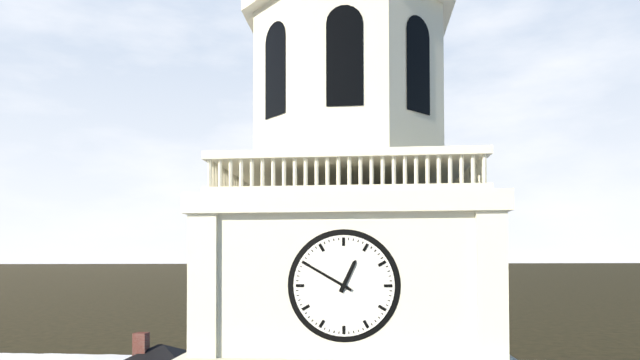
12.50
